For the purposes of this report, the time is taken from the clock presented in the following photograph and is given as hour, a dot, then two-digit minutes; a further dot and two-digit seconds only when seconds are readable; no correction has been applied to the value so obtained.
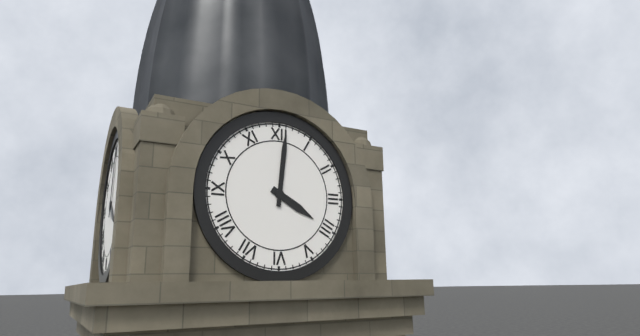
4.01
